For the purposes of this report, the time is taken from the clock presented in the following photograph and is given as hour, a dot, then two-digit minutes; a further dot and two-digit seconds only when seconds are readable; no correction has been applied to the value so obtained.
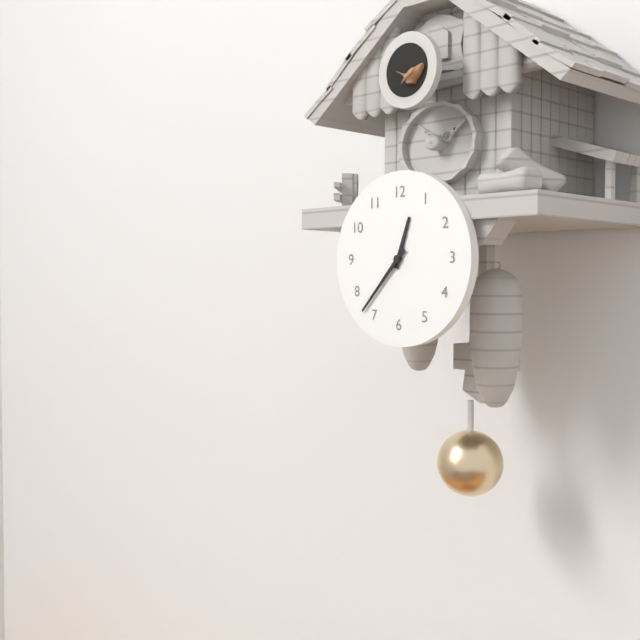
12.37
